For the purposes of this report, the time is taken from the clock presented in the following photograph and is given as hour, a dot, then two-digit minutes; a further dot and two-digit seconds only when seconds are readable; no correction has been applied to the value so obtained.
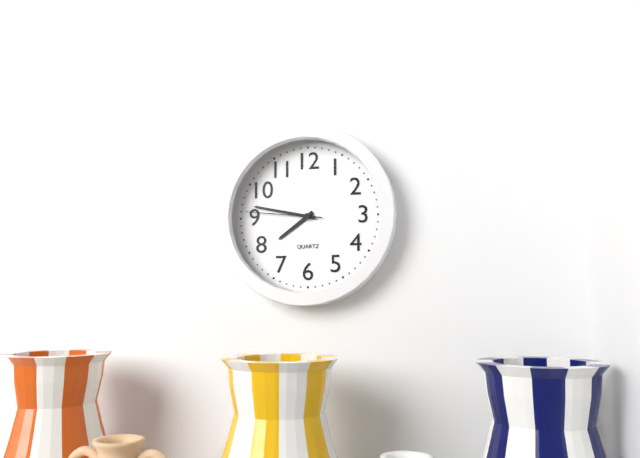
7.47.46
